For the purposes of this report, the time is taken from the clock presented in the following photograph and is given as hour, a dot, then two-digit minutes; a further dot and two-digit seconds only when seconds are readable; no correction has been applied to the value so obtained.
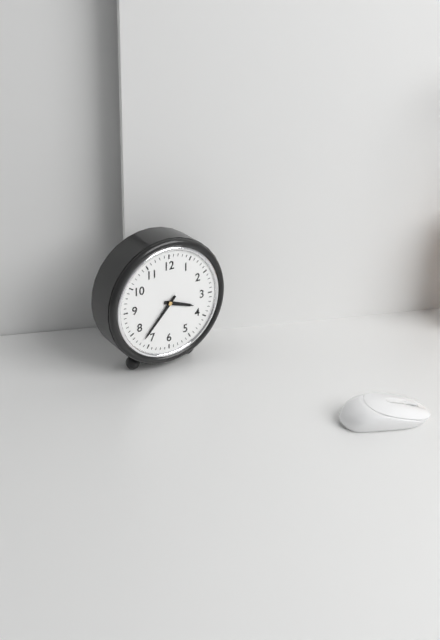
3.37
